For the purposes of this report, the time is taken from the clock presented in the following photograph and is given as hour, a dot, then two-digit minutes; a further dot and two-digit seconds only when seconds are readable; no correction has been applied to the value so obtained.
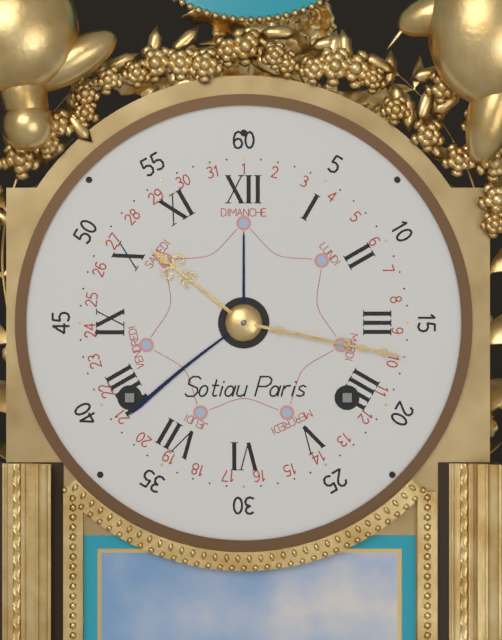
10.17
